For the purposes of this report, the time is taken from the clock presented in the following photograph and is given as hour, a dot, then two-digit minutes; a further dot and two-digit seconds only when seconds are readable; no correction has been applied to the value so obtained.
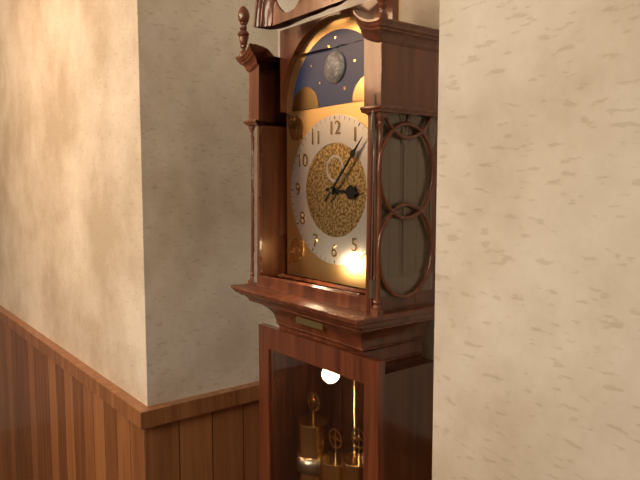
3.07
